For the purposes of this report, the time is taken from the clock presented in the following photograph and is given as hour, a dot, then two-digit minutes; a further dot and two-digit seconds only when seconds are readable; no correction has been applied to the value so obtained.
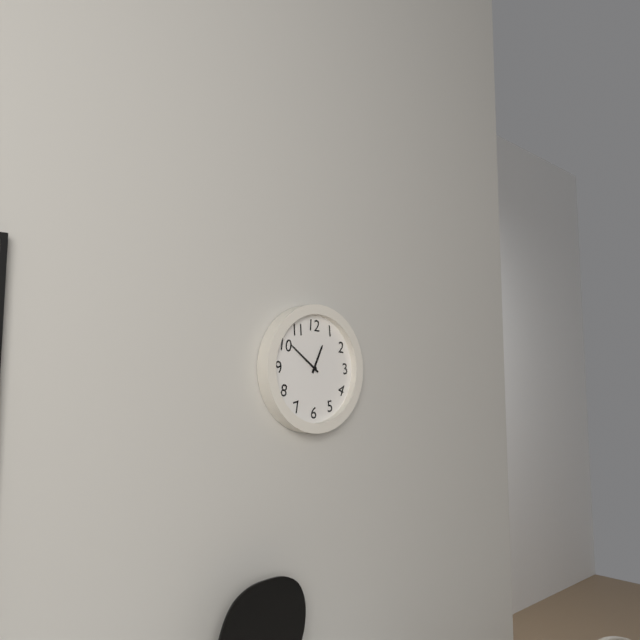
12.51
